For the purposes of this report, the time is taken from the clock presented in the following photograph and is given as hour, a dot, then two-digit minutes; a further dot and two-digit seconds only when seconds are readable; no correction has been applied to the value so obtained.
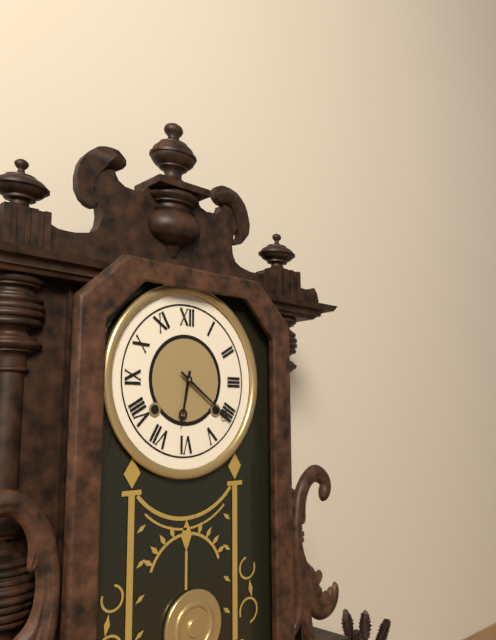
6.21
